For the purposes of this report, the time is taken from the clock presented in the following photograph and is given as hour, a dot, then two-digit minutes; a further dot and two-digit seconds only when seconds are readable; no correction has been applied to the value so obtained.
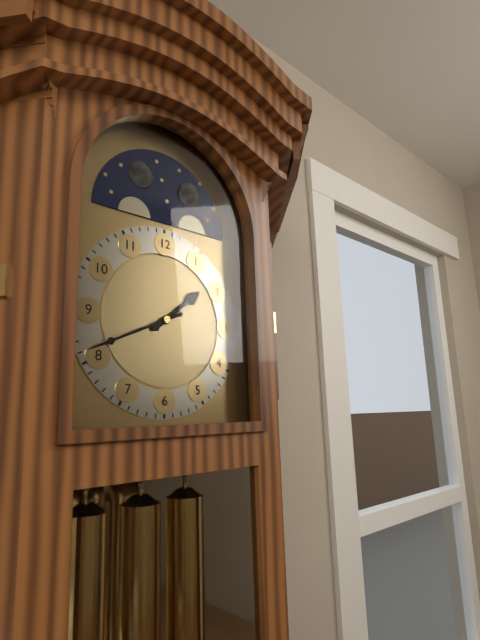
1.41
